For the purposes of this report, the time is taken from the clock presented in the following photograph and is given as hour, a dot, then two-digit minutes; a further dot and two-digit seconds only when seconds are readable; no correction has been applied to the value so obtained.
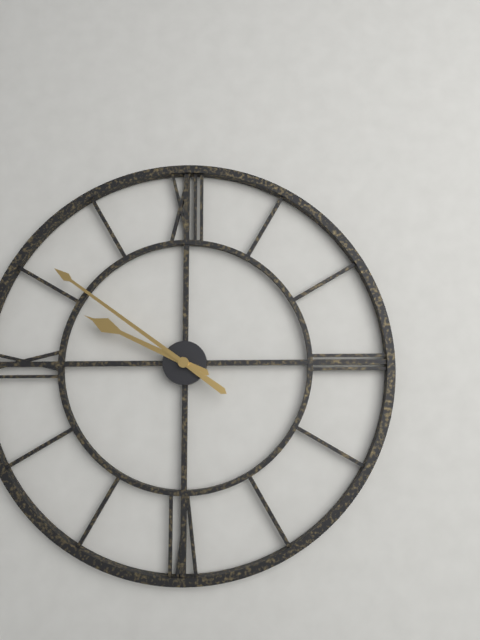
9.51
